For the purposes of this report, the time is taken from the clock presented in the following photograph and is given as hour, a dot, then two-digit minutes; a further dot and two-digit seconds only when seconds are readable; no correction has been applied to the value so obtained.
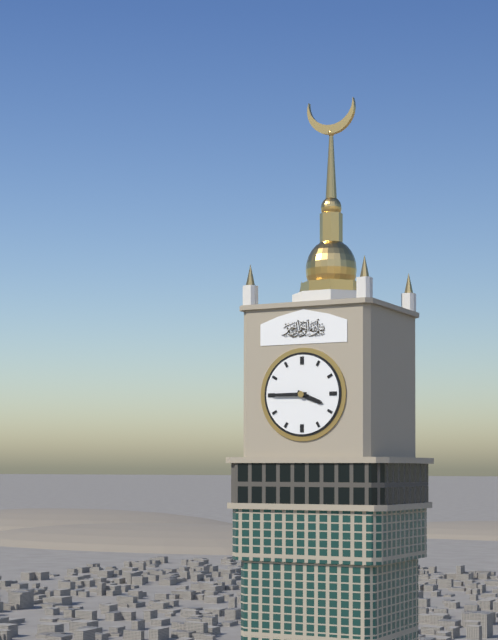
3.45
